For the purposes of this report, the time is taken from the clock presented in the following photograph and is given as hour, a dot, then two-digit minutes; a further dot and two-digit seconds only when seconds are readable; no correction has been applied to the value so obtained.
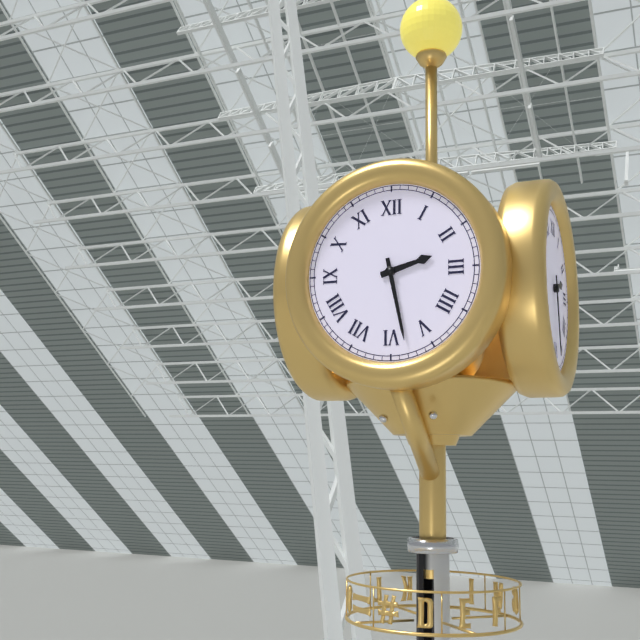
2.28
